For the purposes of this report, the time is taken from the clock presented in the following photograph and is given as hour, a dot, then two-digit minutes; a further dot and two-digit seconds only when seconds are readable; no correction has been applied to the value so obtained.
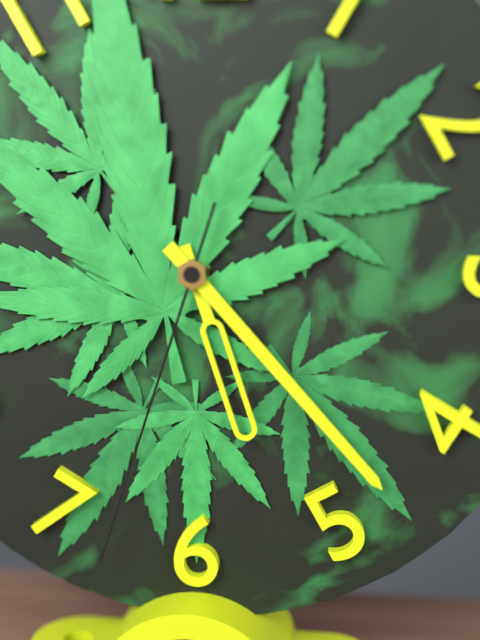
5.23.33
